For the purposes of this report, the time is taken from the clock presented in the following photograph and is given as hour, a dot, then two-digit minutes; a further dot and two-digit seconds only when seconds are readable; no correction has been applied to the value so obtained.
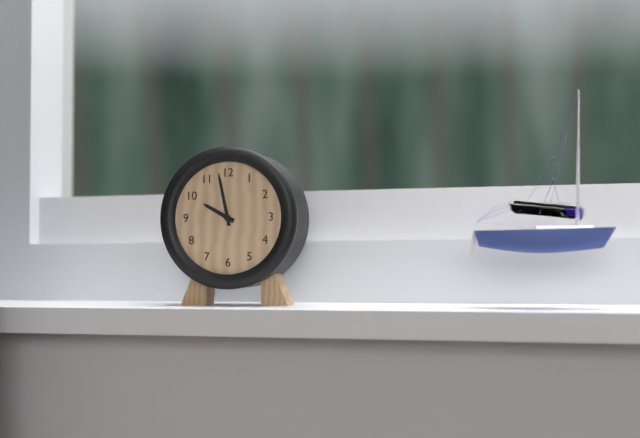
9.58
